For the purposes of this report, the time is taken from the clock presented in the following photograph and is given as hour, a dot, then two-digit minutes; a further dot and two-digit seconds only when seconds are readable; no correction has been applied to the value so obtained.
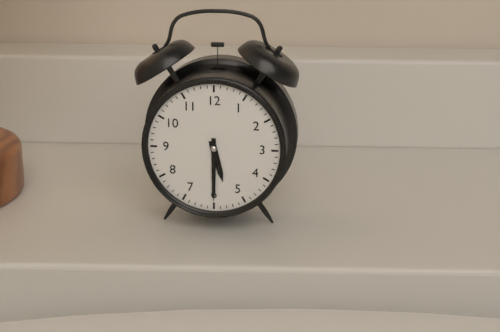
5.30
